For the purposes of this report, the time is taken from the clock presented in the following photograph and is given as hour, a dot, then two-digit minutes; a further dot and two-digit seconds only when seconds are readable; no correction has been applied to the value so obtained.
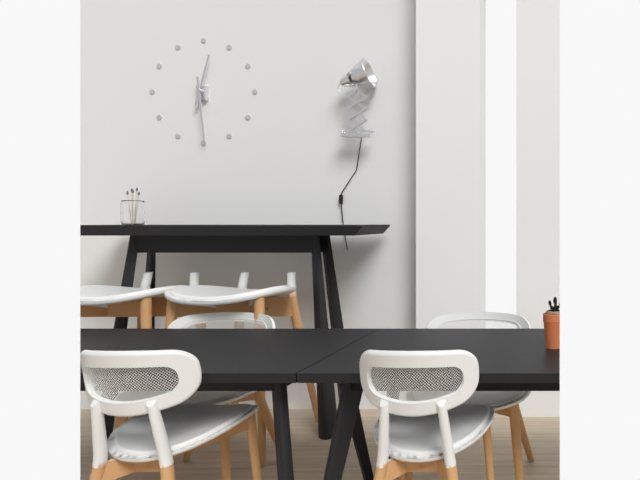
12.29
